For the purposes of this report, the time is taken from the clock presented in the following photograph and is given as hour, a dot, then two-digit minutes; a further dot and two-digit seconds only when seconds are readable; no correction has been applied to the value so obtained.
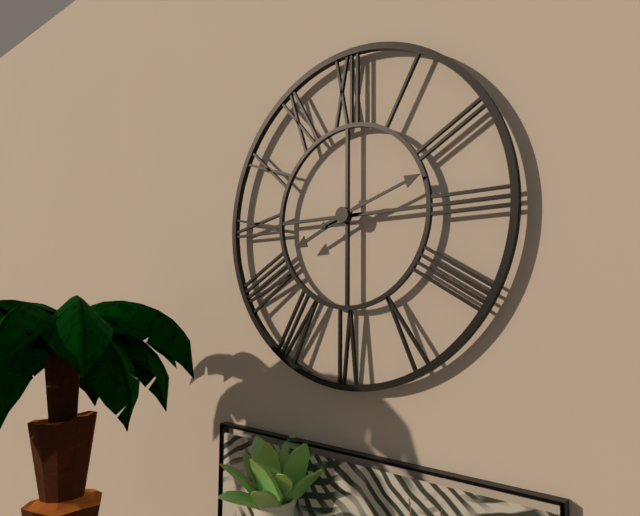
8.12
